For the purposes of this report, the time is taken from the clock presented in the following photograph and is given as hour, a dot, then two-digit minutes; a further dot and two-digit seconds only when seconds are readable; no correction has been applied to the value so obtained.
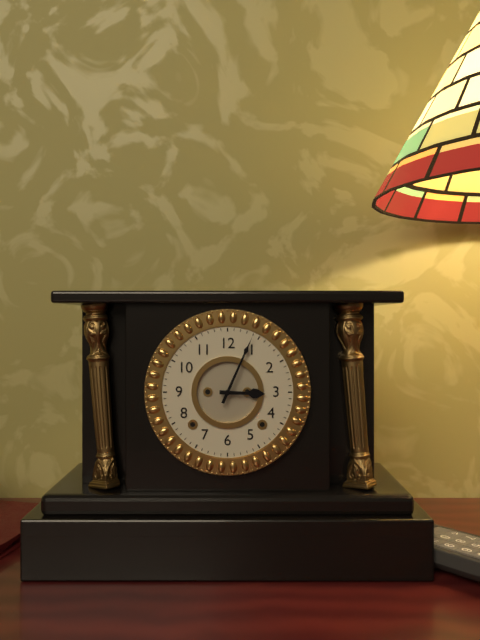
3.04
